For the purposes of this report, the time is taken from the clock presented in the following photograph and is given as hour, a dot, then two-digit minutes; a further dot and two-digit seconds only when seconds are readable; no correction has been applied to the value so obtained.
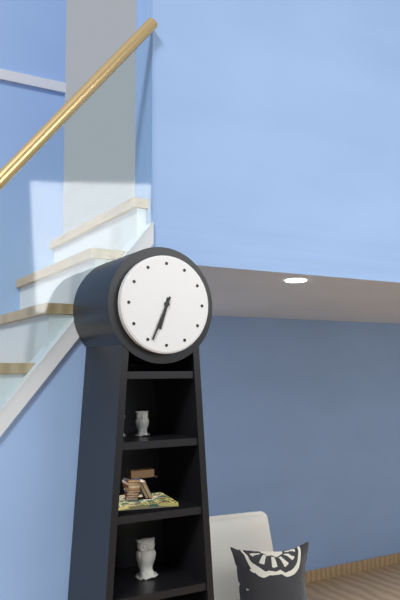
6.34
